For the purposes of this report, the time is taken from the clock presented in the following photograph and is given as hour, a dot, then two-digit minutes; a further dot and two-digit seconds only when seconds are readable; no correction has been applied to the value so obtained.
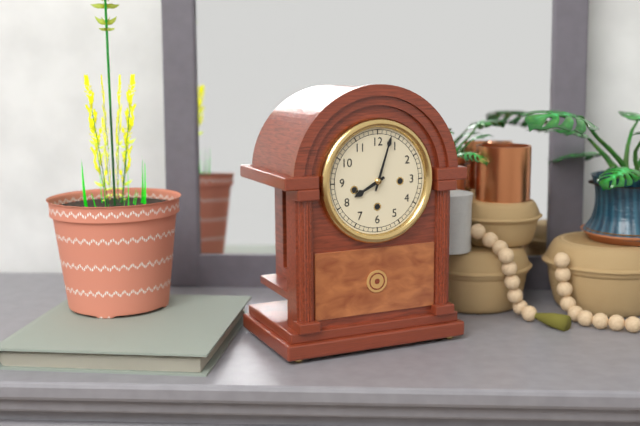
8.03
